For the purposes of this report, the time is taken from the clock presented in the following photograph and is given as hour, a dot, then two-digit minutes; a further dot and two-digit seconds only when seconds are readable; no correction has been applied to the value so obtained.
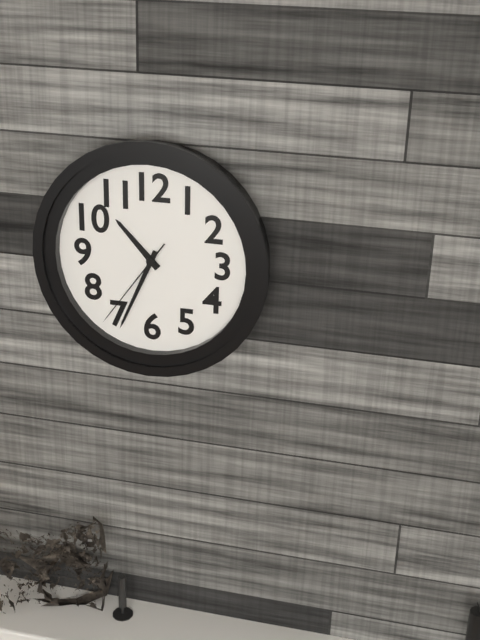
10.34.36
